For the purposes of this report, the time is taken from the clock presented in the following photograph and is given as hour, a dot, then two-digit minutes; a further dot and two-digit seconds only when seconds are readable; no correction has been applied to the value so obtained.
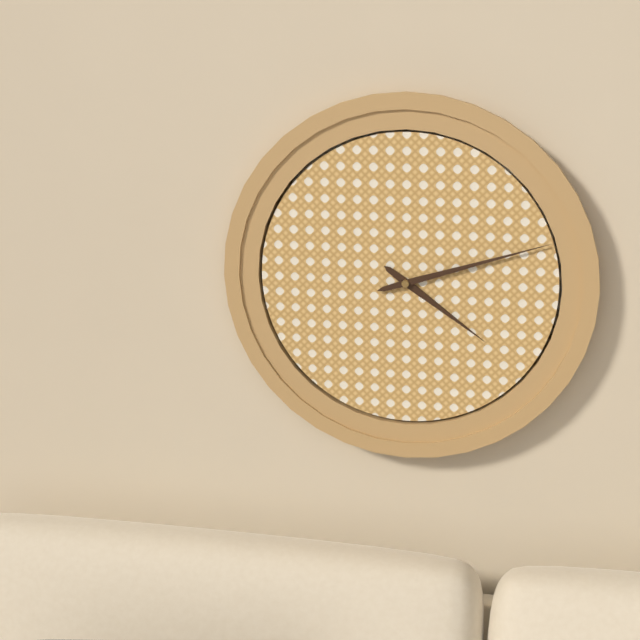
4.12
